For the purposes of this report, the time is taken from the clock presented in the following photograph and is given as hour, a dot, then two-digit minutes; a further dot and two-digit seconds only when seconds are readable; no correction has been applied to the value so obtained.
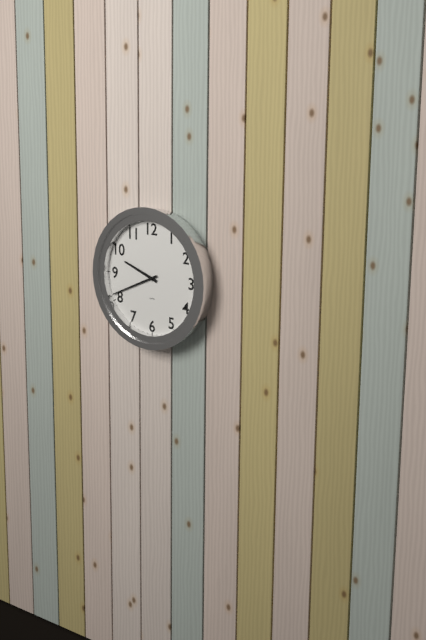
9.41
